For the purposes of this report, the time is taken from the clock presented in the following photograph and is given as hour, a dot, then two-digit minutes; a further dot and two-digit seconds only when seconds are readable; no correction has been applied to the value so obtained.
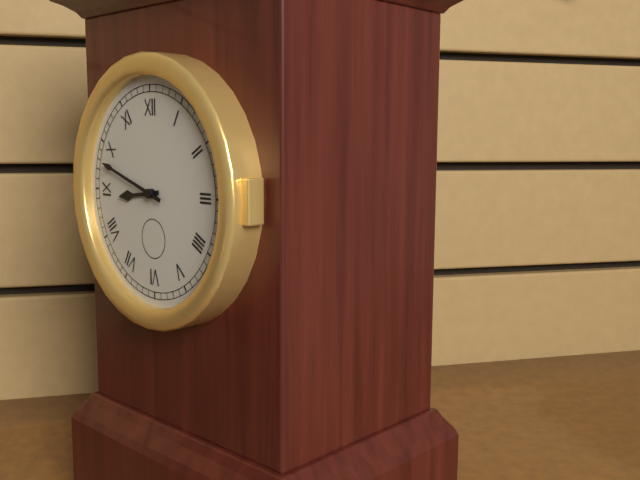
8.48
